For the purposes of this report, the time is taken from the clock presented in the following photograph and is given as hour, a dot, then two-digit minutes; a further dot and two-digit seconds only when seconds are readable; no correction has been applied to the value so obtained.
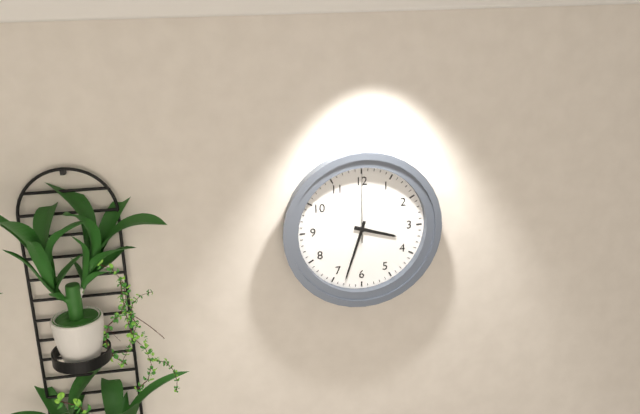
3.33.00
